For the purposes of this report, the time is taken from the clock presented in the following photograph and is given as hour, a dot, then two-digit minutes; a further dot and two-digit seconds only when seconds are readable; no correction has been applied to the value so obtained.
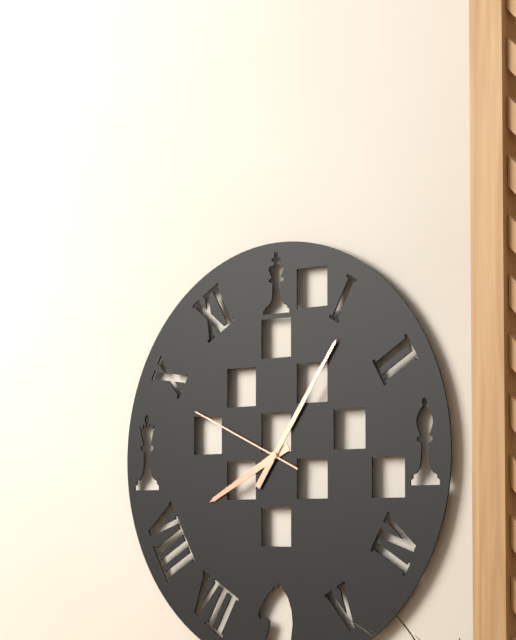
8.06.49
